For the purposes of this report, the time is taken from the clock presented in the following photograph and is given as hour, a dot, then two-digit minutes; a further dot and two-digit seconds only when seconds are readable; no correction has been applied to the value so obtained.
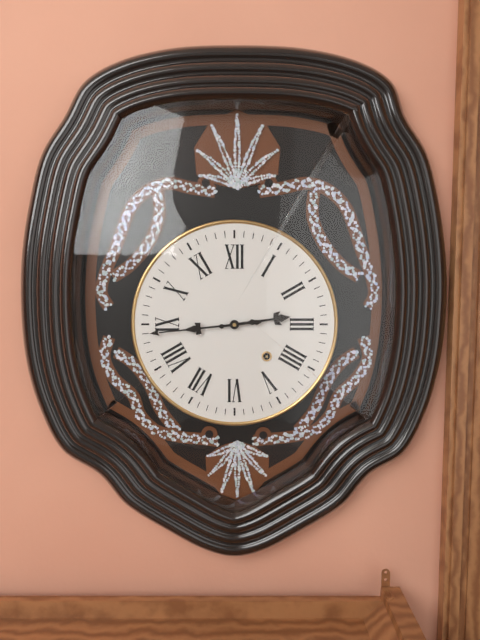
2.44
